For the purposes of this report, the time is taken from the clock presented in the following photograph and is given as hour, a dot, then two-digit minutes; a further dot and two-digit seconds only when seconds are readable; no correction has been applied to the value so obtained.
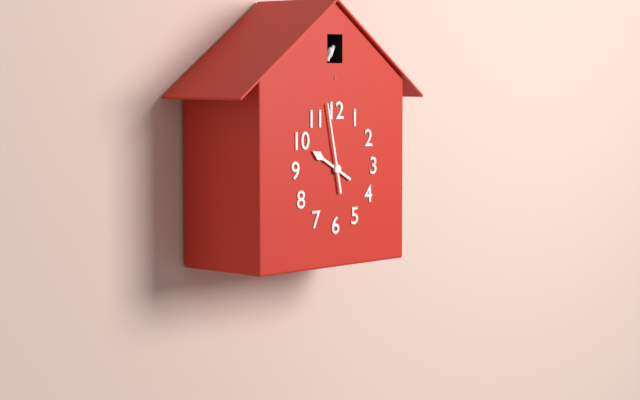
9.58
